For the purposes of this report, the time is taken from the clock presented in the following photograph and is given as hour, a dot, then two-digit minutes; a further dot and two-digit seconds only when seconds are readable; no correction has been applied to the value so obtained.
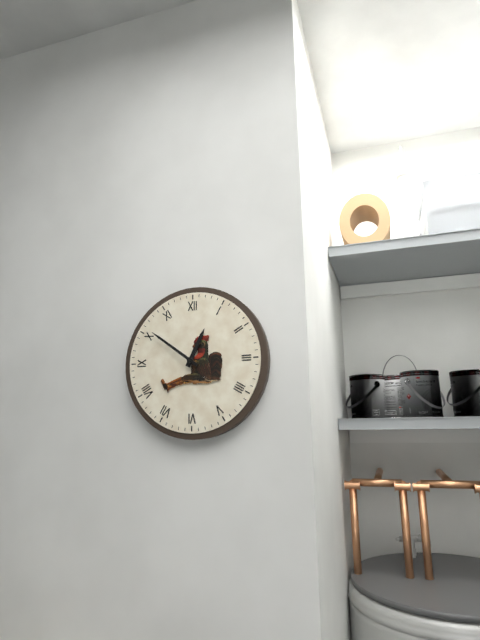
12.51
